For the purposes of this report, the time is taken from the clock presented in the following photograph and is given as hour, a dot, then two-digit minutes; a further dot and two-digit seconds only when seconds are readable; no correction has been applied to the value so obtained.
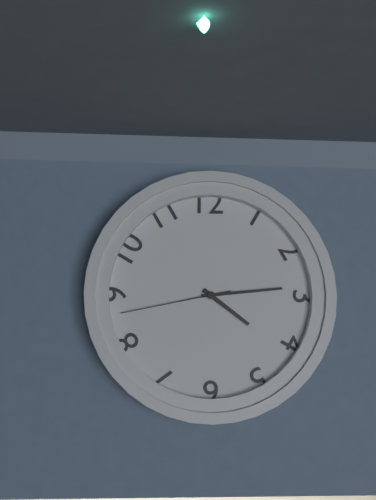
4.14.43
